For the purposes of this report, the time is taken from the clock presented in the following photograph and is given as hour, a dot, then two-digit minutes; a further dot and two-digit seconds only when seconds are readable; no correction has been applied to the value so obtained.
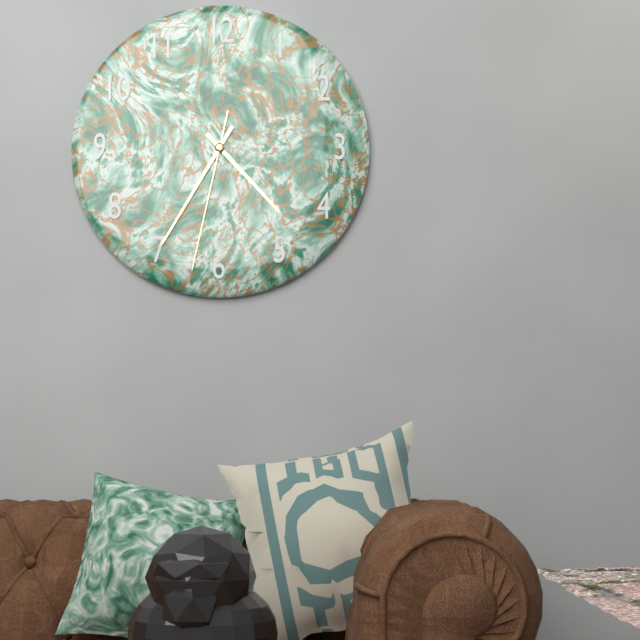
4.35.32
